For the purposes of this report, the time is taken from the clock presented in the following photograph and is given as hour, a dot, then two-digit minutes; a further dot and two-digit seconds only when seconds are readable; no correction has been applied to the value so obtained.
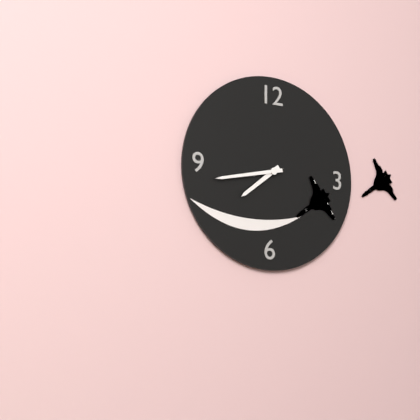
7.43
